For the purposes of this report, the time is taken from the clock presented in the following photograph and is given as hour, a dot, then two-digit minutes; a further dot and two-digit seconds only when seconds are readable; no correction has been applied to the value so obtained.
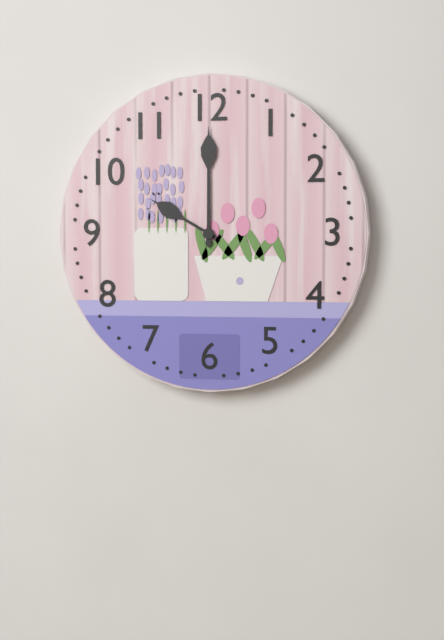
10.00
